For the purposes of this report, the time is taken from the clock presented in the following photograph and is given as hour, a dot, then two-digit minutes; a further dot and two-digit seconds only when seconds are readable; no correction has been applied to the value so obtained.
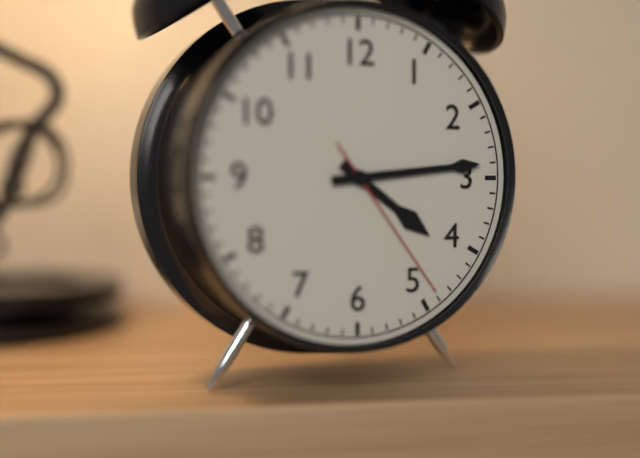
4.14.24
